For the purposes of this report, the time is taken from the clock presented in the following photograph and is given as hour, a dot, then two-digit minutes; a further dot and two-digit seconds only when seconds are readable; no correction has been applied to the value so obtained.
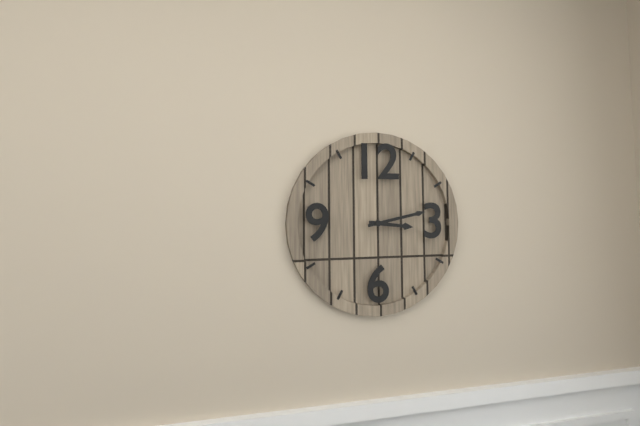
3.13
